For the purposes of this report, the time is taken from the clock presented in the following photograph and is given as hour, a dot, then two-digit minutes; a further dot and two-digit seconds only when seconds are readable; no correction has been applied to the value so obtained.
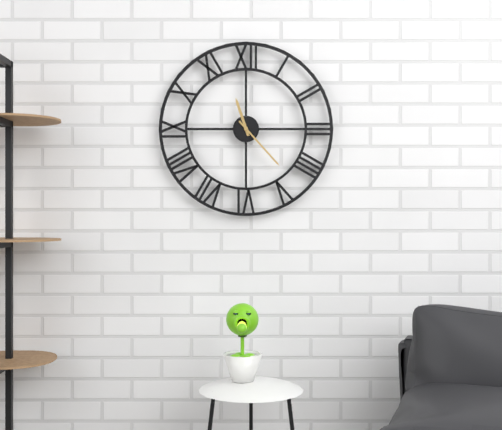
11.23
